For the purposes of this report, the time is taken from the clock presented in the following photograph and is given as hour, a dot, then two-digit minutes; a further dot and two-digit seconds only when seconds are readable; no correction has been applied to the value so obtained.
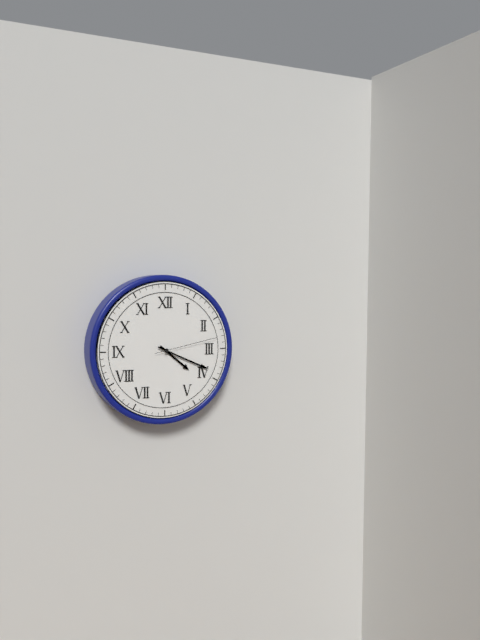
4.19.13
